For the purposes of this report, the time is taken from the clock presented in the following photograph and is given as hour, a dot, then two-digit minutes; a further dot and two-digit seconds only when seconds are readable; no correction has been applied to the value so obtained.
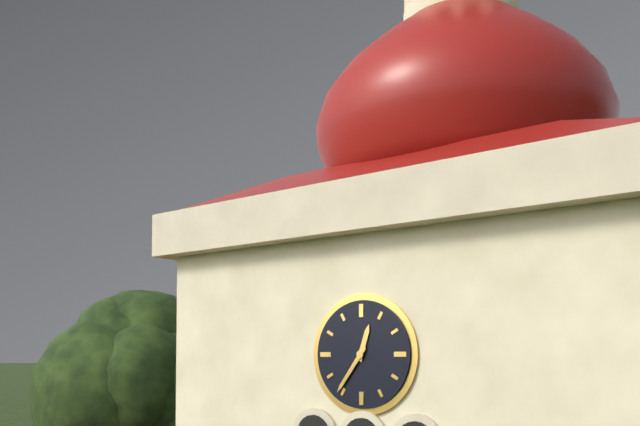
12.36
